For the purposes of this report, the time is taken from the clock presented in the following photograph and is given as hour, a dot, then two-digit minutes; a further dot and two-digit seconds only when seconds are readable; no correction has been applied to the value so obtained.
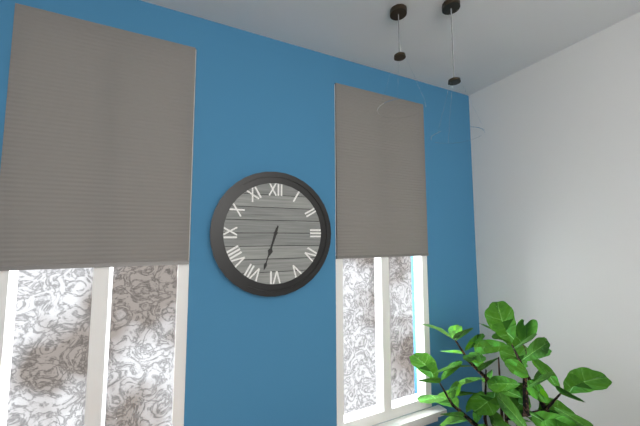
6.33
